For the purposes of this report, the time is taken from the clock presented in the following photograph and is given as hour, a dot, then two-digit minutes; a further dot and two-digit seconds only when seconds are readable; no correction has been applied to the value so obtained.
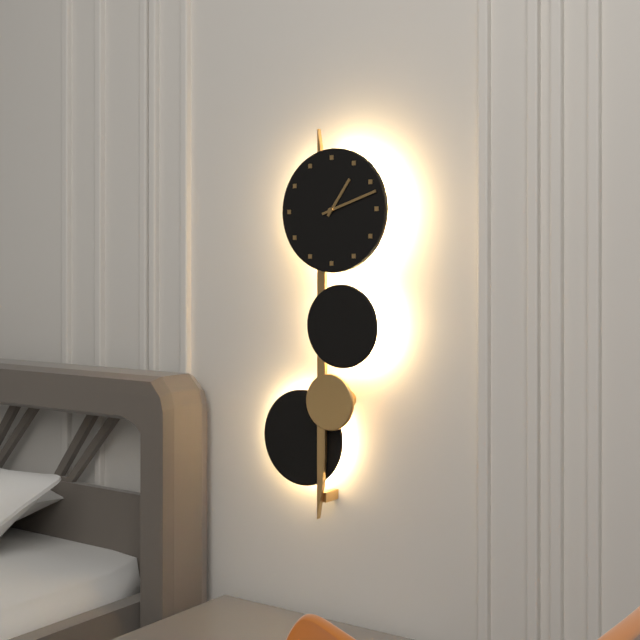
1.12
